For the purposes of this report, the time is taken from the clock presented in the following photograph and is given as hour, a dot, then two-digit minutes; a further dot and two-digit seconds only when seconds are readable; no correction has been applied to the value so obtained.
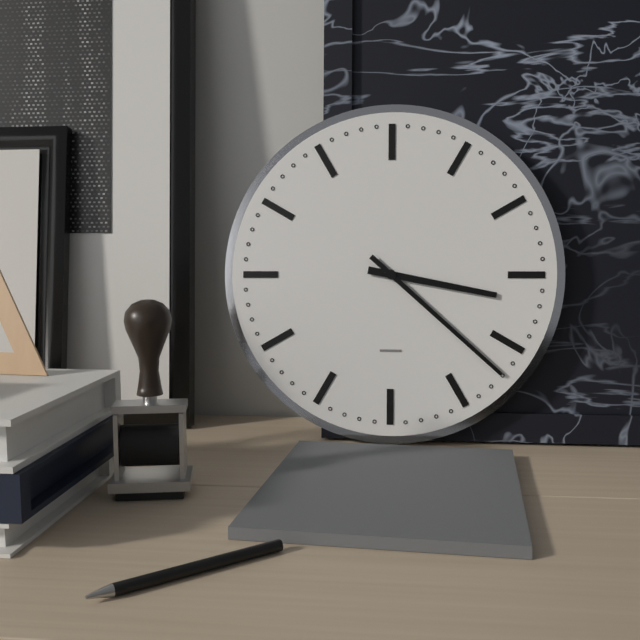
3.22
